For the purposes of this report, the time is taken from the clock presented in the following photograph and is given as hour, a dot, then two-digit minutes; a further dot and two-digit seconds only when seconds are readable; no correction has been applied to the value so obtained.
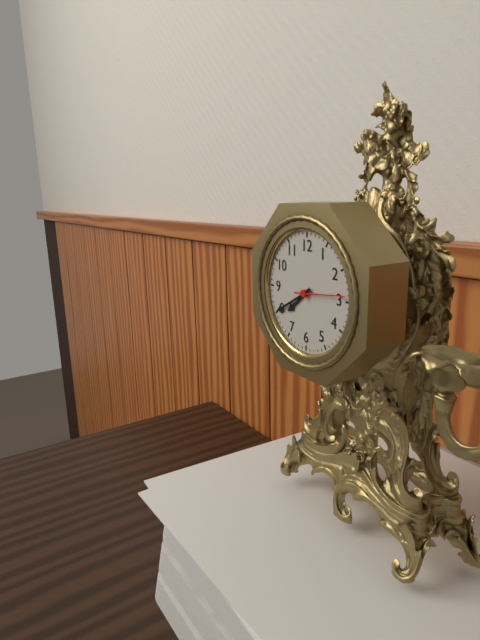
7.40.14
